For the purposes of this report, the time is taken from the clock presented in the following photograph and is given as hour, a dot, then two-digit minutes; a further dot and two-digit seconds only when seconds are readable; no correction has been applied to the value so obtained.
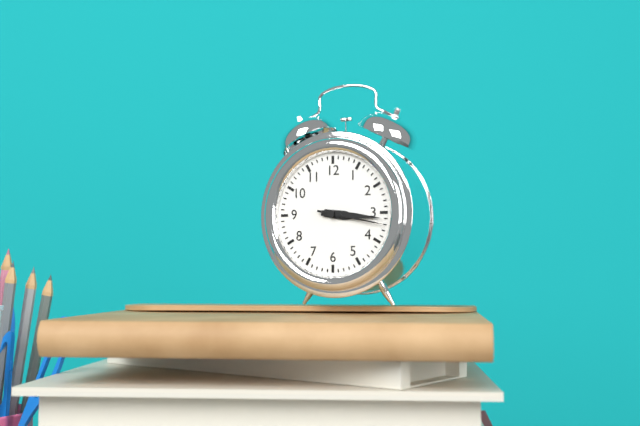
3.16.17
